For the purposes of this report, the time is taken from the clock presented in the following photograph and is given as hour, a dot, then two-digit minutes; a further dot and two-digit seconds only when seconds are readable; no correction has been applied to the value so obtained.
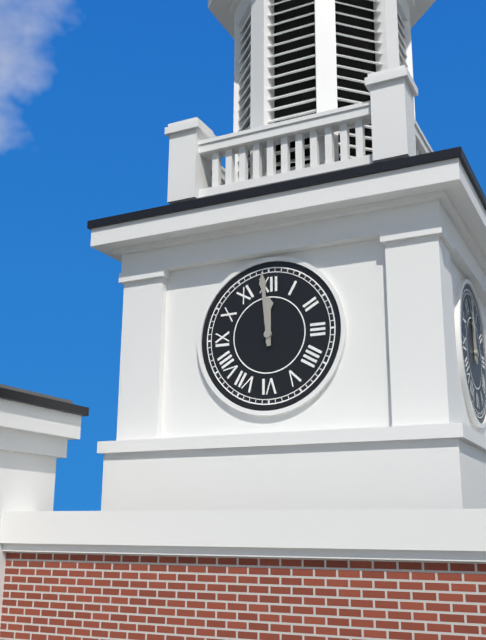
11.59
